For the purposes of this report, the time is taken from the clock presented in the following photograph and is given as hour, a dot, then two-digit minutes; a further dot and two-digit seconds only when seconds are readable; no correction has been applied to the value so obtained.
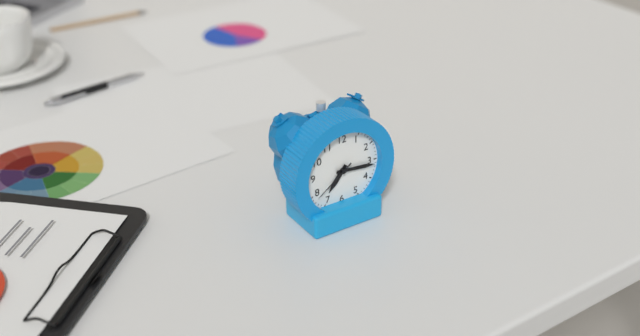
7.16
